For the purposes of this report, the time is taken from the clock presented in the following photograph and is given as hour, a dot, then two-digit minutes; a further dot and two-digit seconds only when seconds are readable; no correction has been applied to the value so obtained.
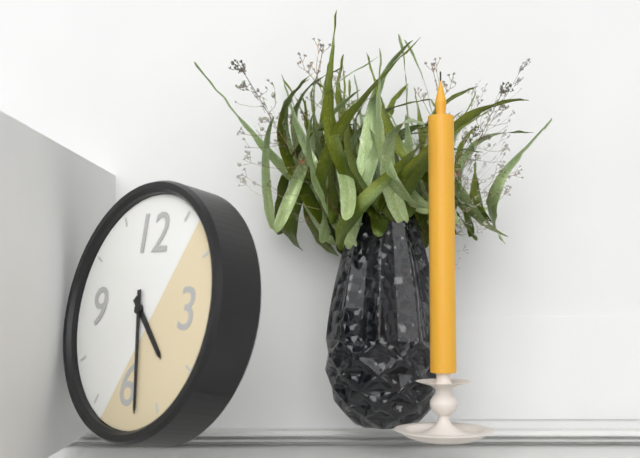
4.28
